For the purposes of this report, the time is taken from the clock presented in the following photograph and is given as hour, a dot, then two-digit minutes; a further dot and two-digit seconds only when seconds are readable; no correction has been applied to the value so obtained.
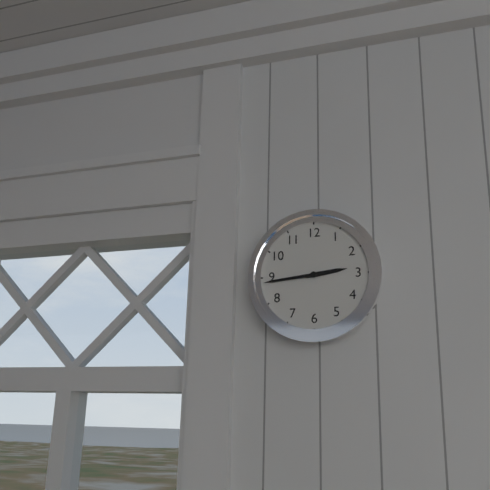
2.44
